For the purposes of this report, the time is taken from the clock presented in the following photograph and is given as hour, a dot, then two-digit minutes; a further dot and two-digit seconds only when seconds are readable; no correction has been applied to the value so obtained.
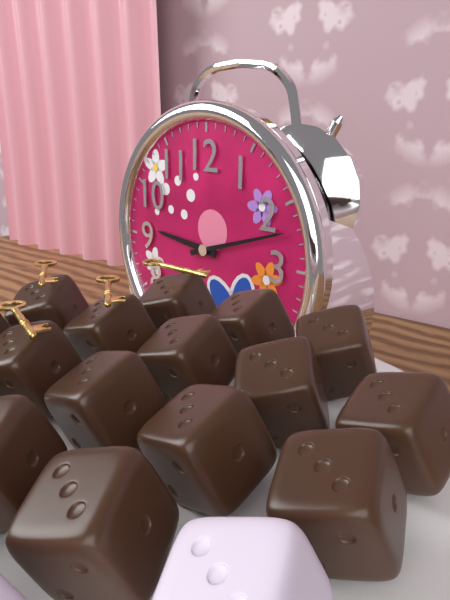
9.12
